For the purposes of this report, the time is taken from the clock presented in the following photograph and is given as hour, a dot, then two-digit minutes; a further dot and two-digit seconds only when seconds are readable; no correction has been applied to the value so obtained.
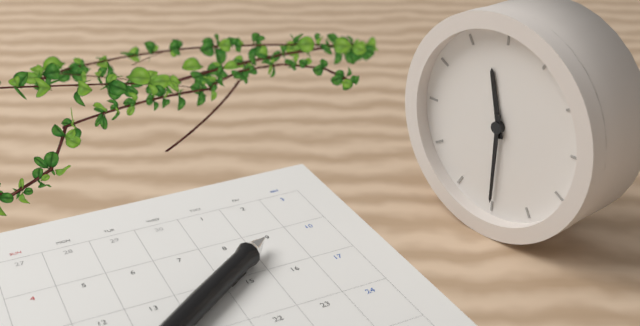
11.30
